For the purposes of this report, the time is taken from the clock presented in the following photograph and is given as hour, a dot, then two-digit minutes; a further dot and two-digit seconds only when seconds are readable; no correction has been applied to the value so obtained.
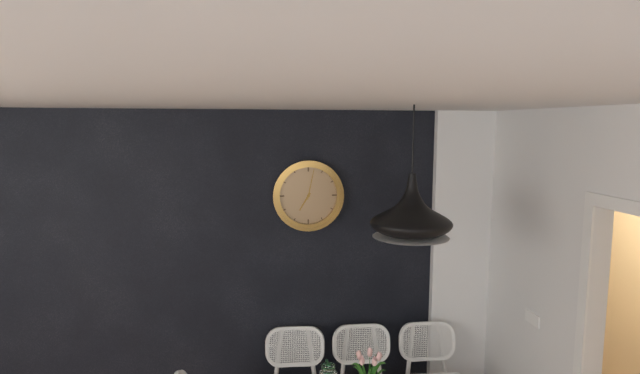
7.02
